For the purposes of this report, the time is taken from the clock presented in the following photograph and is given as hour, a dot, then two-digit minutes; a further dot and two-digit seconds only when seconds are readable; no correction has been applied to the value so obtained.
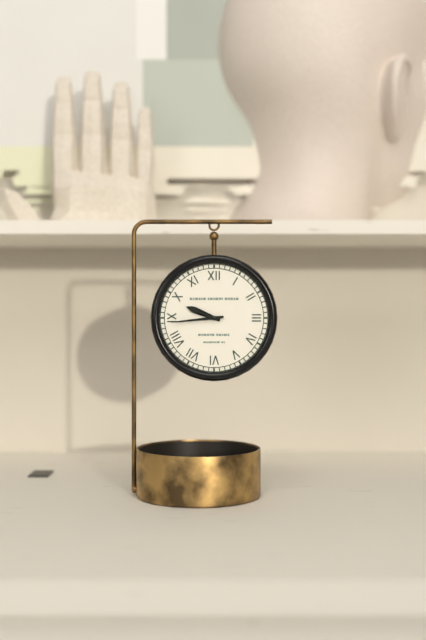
9.44
